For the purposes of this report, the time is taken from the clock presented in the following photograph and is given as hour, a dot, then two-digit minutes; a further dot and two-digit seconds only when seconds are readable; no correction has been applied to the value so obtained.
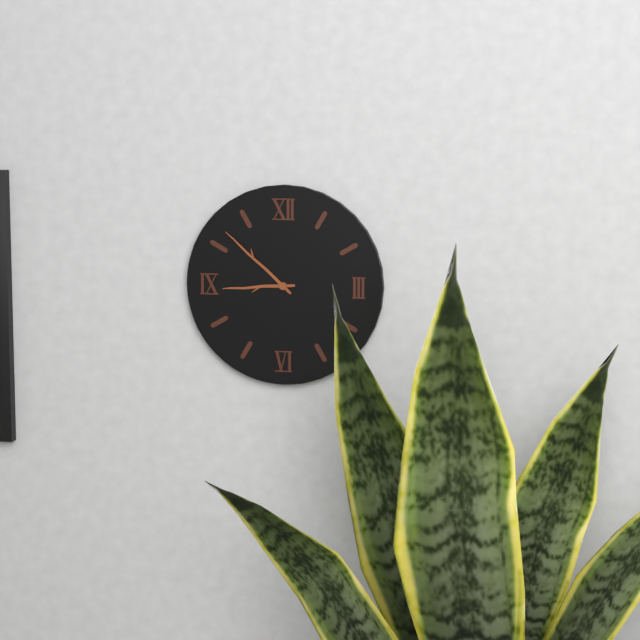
8.52
